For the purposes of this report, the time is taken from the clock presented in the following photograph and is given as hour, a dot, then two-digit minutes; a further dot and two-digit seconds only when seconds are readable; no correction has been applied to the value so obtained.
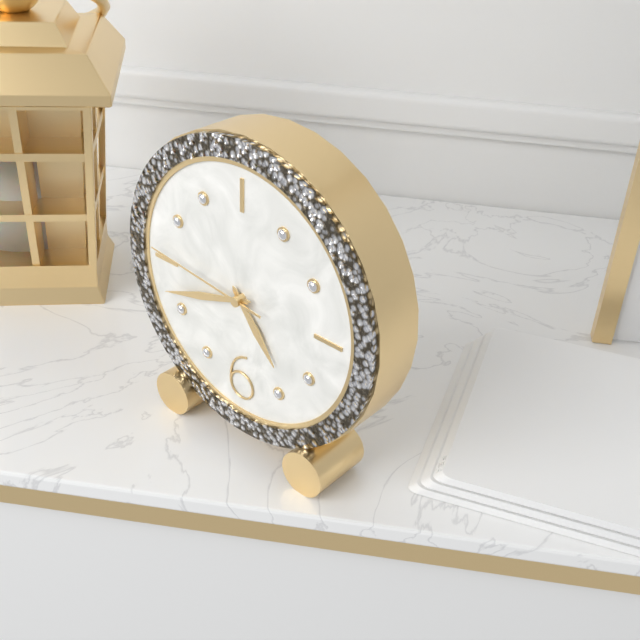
4.42.46
